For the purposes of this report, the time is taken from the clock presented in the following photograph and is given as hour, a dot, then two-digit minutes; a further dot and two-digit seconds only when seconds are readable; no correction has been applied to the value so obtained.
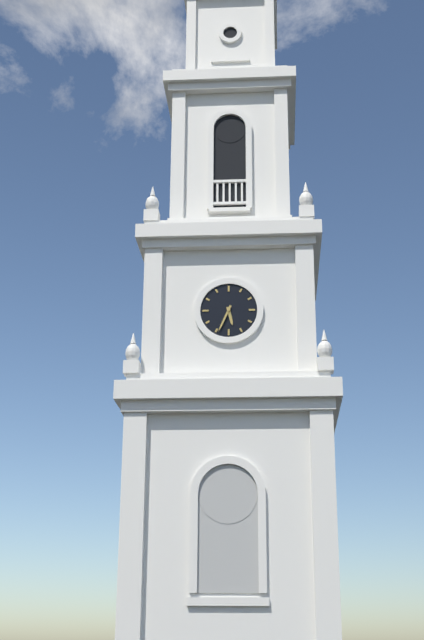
5.34
